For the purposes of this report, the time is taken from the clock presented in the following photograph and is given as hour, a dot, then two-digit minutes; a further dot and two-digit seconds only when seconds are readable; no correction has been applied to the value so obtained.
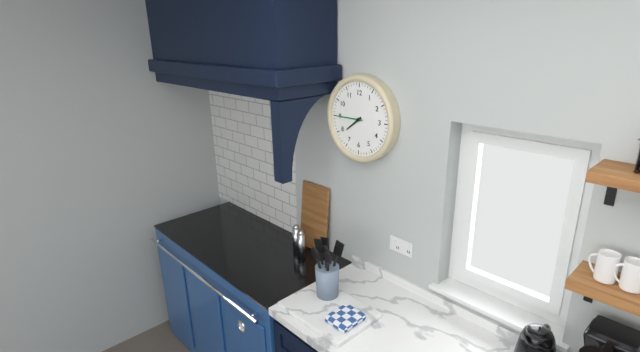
7.45
